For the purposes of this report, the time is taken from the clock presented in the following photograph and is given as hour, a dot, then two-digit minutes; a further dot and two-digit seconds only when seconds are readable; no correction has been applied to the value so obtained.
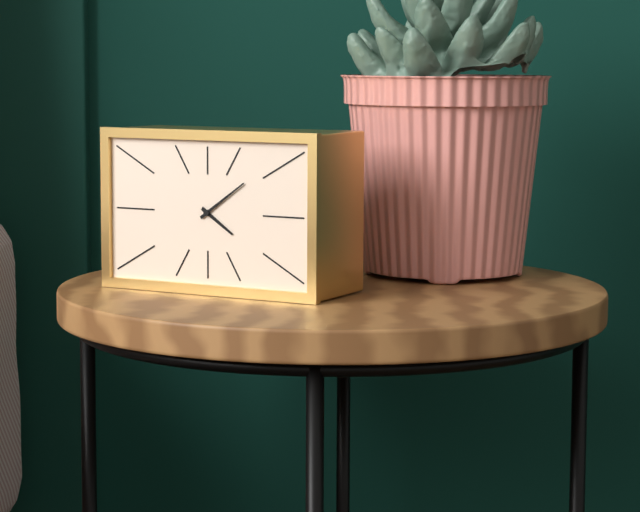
4.09
